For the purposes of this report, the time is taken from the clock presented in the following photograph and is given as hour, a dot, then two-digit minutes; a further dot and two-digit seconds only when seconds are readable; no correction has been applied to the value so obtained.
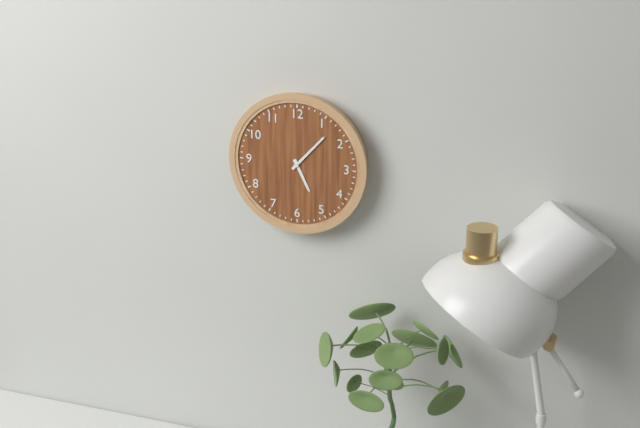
5.07
